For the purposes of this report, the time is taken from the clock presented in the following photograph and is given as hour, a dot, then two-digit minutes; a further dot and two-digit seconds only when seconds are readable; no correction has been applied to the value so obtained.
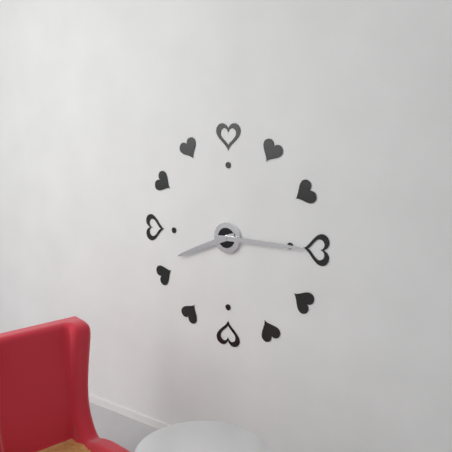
8.15
